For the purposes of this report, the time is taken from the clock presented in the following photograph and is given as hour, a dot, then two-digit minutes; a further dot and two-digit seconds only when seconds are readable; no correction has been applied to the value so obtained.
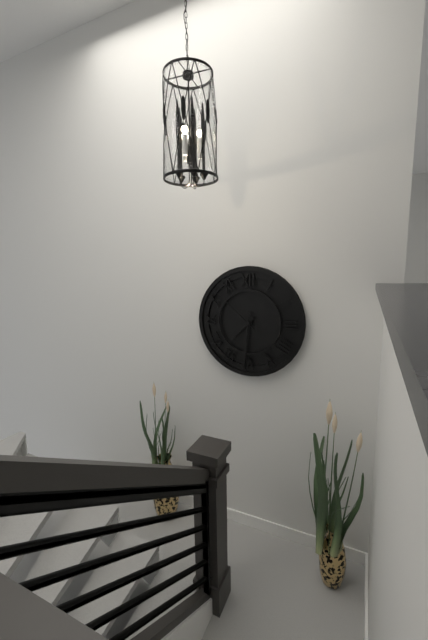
7.31.52
